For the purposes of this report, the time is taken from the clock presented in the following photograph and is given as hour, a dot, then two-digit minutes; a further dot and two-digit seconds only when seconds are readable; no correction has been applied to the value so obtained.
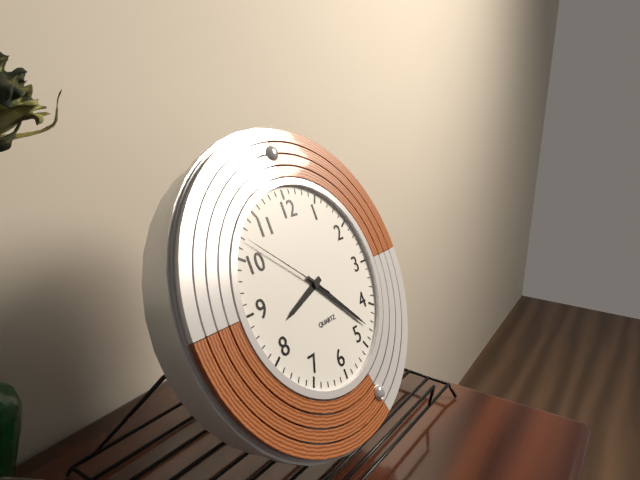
8.23.52
